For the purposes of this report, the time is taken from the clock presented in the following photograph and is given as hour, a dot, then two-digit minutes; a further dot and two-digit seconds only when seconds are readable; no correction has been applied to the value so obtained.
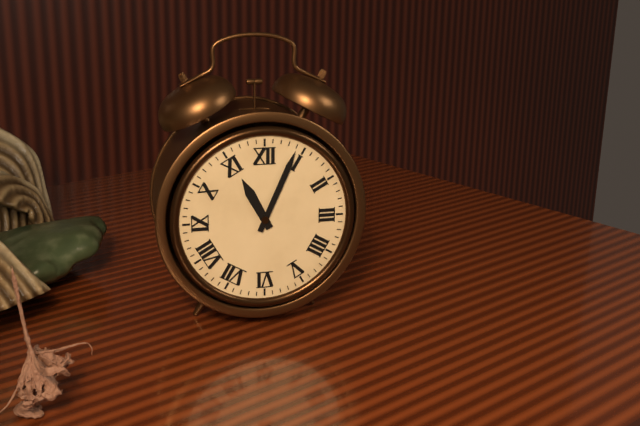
11.04
